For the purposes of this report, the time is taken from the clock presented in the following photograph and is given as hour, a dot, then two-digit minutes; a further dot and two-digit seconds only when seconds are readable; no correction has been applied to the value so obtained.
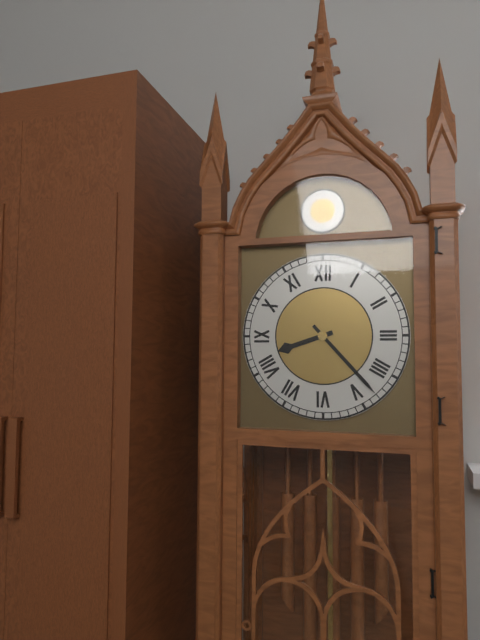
8.23
